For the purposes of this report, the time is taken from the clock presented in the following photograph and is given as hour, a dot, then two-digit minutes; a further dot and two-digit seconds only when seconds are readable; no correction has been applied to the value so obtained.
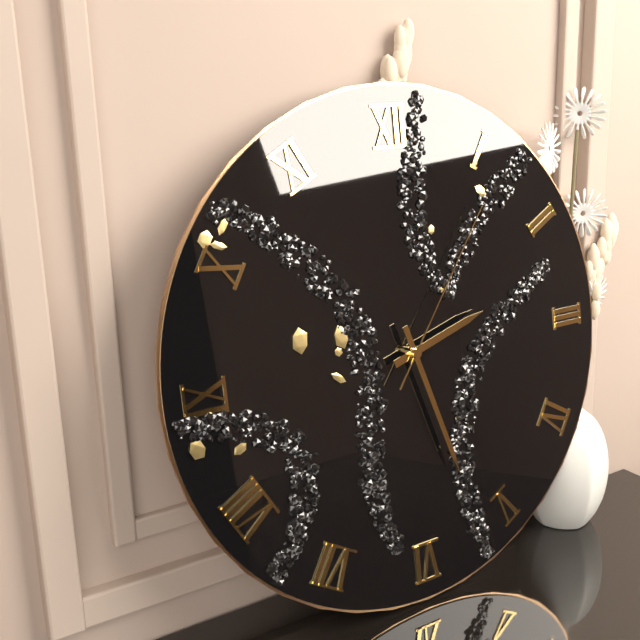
2.27.06
